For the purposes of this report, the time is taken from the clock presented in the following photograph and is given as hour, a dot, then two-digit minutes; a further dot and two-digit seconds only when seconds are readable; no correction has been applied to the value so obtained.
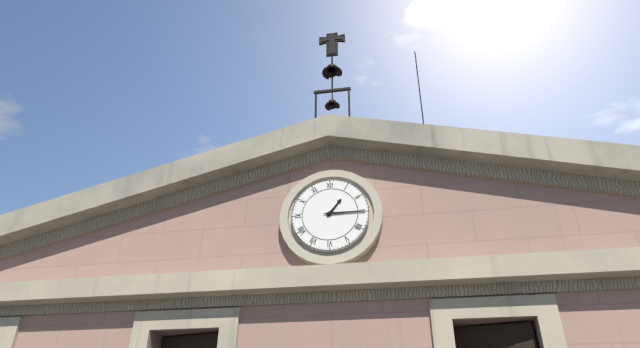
1.15
